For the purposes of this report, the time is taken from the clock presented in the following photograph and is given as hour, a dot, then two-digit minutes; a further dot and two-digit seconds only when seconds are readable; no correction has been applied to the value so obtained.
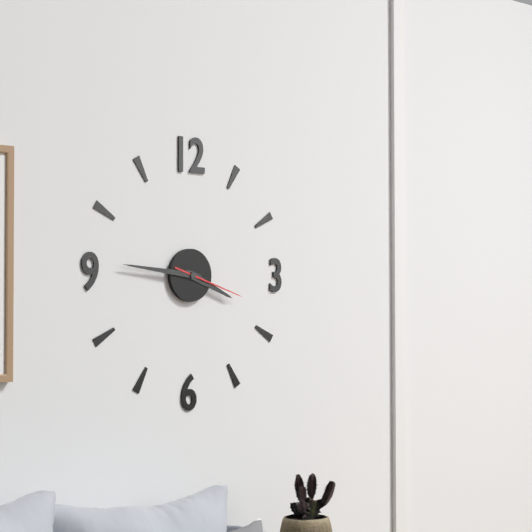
3.46.18
